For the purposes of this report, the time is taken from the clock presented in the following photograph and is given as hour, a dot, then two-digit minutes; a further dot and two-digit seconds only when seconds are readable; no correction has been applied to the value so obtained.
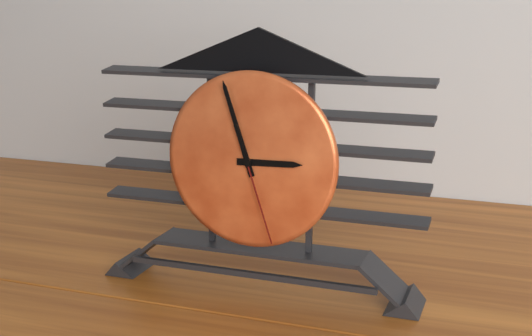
2.57.27
